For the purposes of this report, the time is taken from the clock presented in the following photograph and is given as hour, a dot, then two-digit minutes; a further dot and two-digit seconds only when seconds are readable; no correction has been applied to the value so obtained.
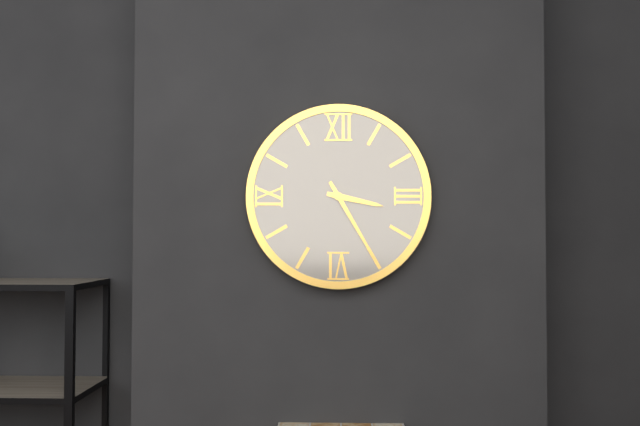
3.25
